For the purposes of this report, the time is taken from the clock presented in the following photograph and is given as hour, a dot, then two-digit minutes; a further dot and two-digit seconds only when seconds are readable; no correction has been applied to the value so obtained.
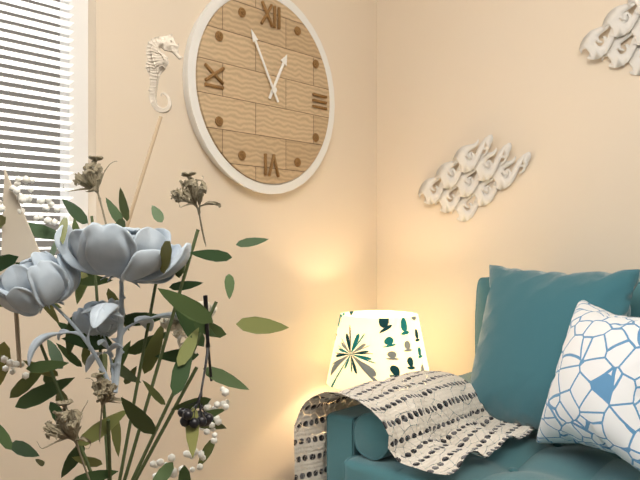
12.55
